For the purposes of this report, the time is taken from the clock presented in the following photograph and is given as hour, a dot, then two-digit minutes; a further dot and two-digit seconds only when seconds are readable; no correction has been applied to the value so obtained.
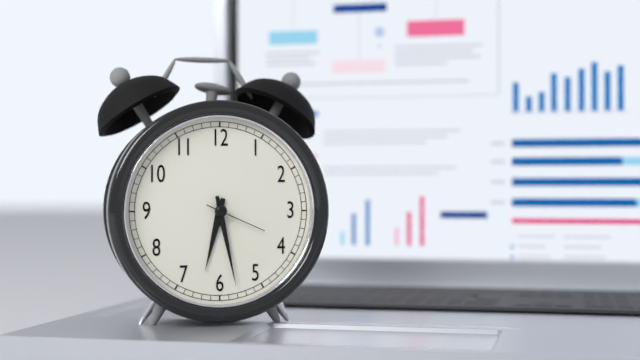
6.28.19
